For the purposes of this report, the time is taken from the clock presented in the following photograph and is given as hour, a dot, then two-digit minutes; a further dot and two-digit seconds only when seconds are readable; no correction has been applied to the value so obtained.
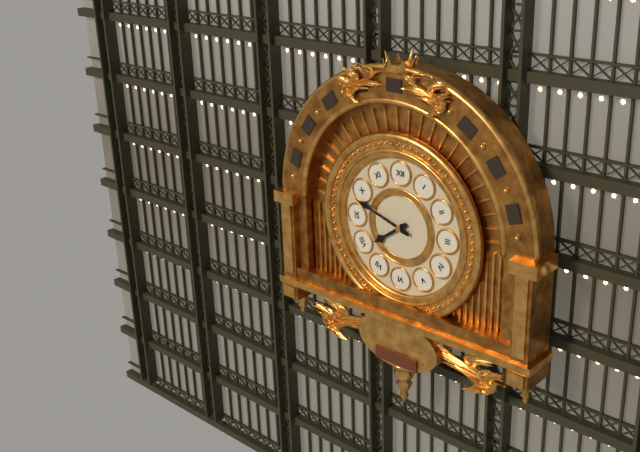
7.48
